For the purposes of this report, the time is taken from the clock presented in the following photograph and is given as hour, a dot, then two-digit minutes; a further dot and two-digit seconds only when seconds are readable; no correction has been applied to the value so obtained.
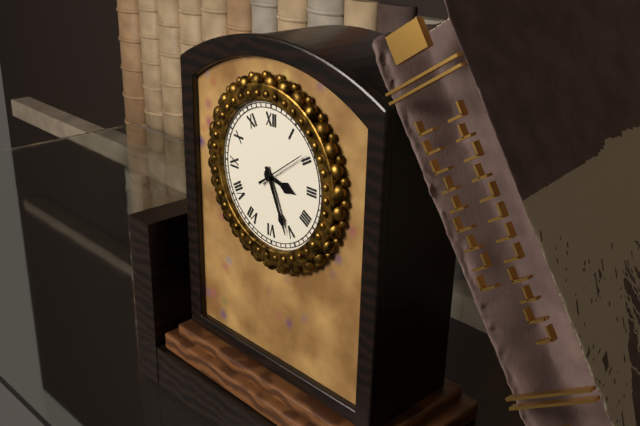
3.26.09
